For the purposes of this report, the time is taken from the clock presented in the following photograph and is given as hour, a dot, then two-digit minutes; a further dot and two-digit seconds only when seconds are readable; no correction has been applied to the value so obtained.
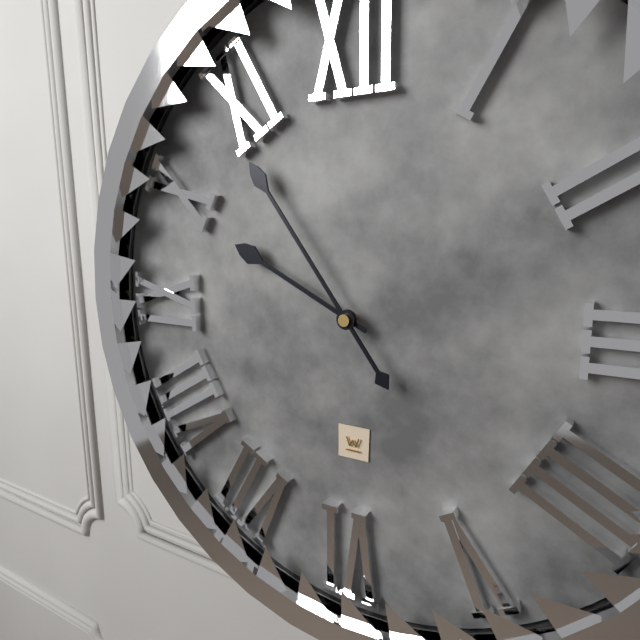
9.54
